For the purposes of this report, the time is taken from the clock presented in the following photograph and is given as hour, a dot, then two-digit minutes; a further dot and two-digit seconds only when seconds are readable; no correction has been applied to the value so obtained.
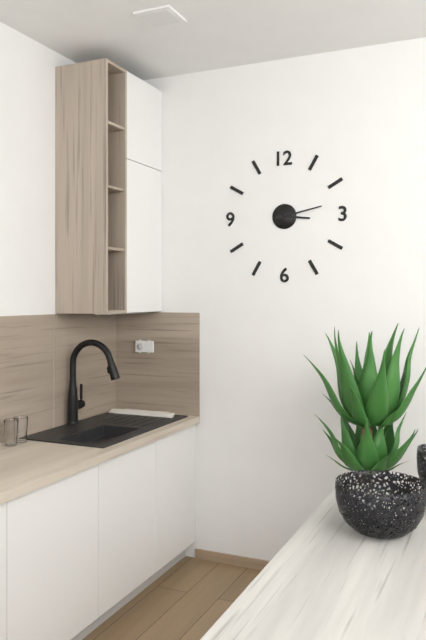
3.13
